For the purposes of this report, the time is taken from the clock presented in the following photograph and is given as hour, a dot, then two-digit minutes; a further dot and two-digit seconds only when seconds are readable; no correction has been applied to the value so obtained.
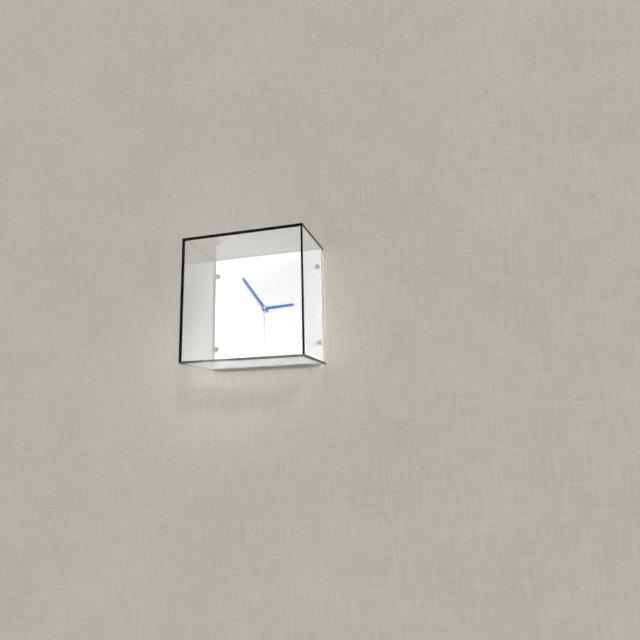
2.54.30
